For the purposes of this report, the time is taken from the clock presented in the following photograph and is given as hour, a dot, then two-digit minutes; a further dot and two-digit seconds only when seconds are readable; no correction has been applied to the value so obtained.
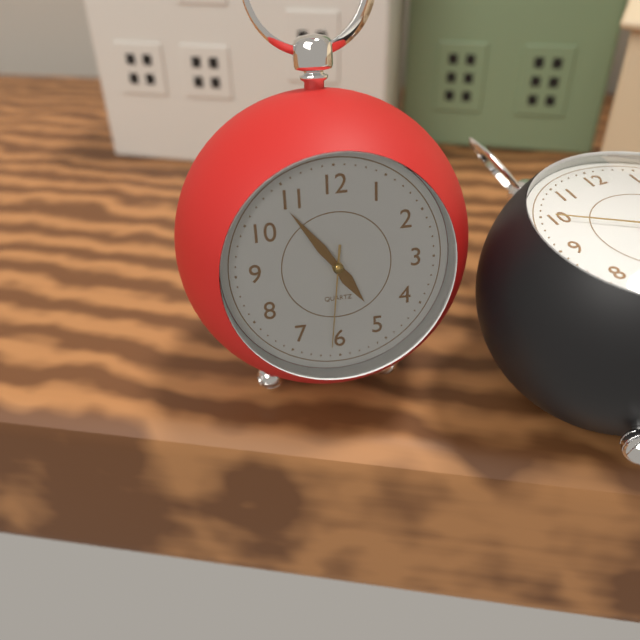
4.54.31
